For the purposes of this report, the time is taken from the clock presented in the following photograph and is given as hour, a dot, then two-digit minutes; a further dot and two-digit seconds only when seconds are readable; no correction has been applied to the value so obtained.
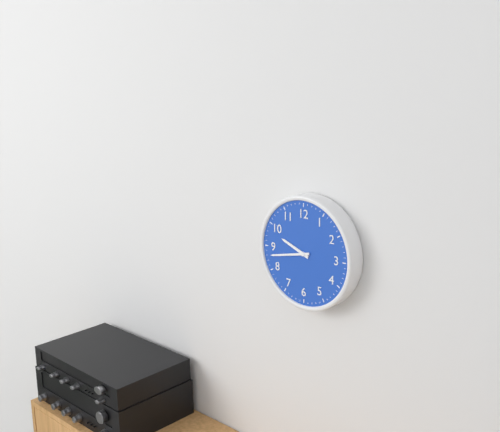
9.43
